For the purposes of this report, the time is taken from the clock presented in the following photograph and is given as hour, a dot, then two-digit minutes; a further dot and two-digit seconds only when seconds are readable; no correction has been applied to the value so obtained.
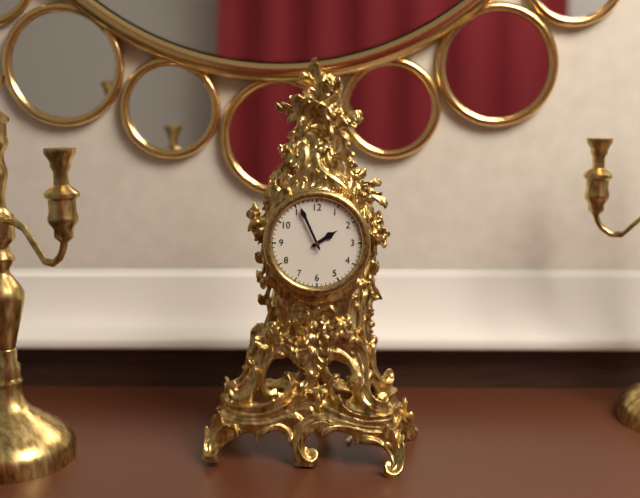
1.56
